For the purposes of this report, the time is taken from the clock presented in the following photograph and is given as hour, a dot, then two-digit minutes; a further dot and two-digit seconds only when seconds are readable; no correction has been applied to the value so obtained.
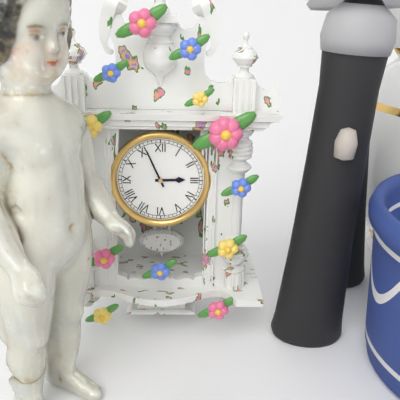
2.56
